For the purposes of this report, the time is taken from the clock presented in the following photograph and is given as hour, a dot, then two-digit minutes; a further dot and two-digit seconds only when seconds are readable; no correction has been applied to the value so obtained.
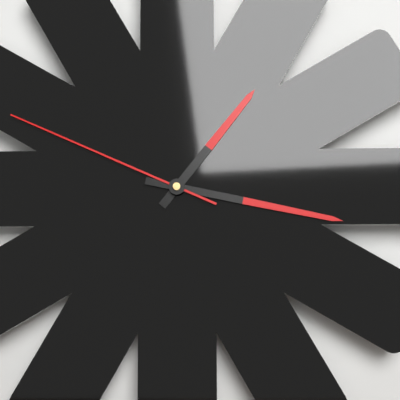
1.17.49
